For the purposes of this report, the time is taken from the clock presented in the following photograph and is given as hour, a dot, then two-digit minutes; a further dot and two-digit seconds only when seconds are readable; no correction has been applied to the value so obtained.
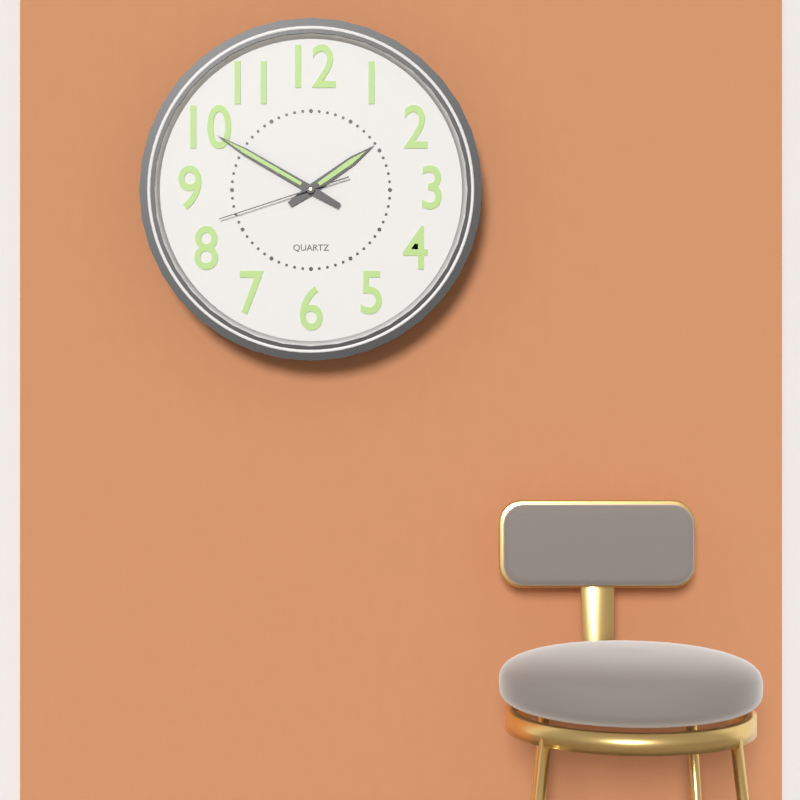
1.50.42
